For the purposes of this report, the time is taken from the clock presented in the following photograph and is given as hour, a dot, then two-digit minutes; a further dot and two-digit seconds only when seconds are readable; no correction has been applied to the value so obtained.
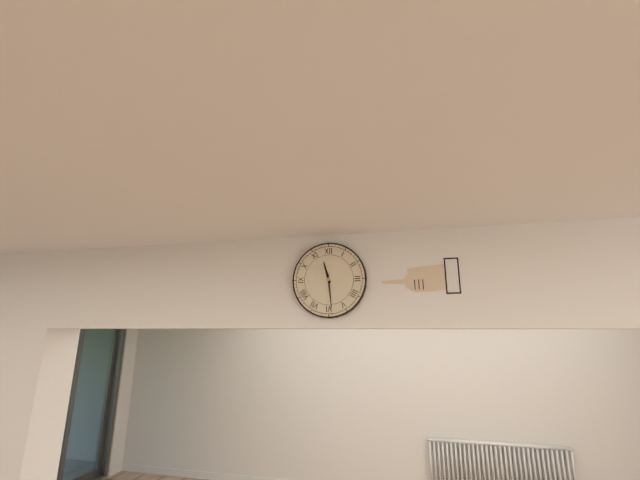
11.29
